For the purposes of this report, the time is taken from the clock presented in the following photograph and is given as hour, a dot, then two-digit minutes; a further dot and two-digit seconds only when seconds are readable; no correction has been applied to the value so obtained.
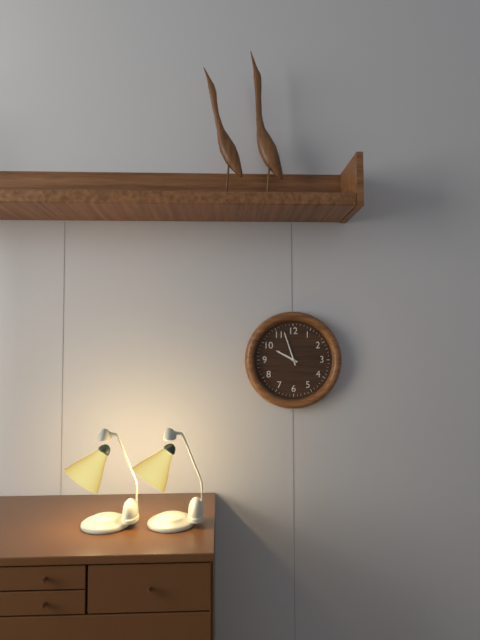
9.57
